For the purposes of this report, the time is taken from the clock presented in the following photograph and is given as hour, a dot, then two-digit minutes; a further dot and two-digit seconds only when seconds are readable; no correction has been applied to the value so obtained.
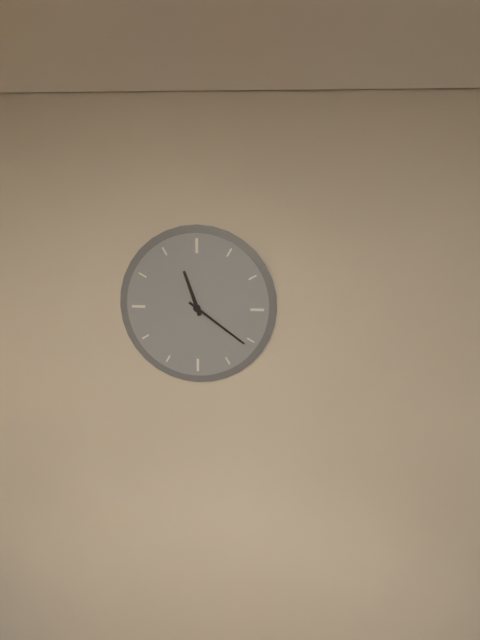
11.21
